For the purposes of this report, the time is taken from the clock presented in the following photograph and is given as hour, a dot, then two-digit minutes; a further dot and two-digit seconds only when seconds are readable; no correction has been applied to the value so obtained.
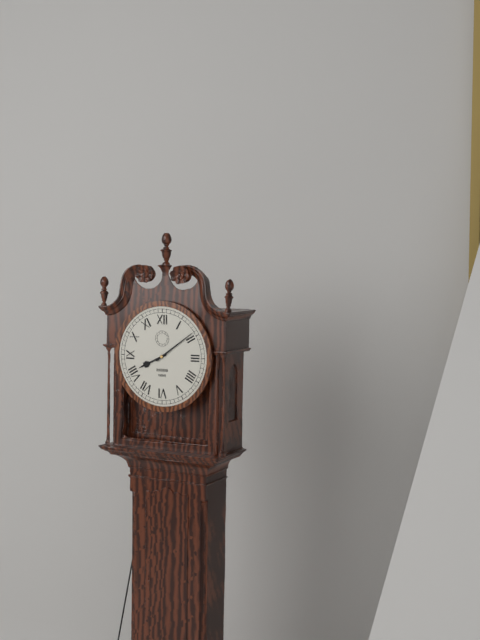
8.09
